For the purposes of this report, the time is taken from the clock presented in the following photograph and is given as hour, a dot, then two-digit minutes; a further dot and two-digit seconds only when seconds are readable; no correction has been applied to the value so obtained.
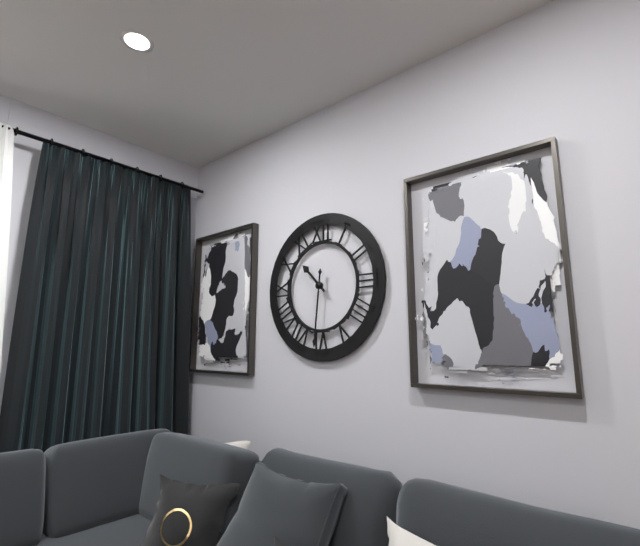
10.31
